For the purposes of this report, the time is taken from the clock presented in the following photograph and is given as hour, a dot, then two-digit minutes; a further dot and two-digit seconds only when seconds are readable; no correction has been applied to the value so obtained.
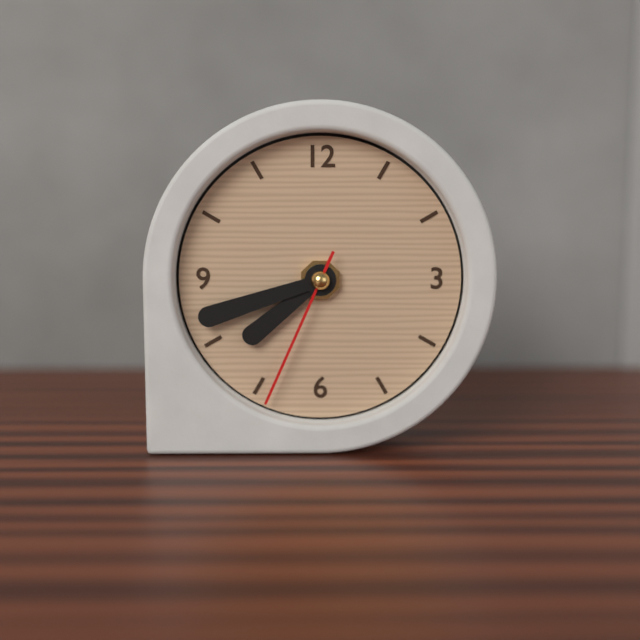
7.42.34
